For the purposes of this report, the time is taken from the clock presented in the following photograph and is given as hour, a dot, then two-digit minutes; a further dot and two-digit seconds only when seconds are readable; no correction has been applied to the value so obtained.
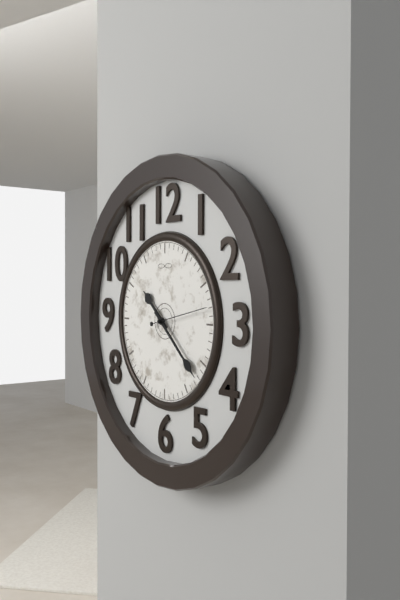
10.22.13
